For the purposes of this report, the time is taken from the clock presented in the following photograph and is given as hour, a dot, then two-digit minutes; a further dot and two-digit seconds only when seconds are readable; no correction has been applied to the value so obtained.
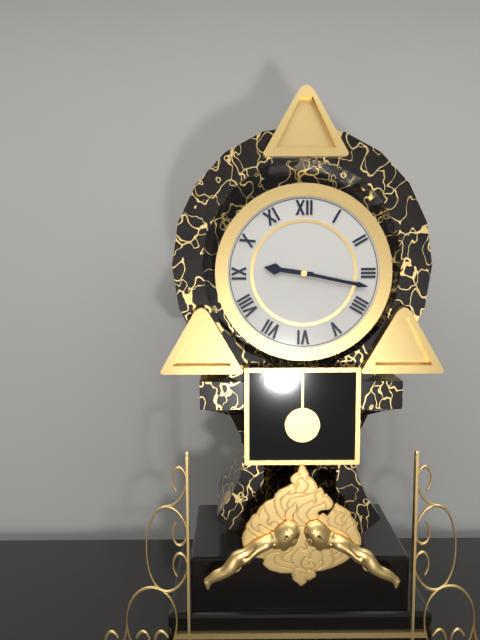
9.17
